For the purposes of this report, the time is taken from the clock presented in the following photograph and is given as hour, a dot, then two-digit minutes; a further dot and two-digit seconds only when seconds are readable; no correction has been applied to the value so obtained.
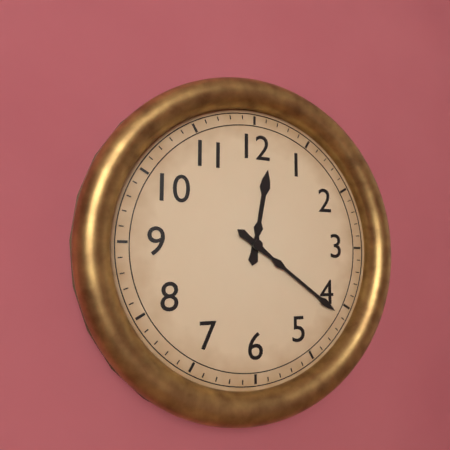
12.21
